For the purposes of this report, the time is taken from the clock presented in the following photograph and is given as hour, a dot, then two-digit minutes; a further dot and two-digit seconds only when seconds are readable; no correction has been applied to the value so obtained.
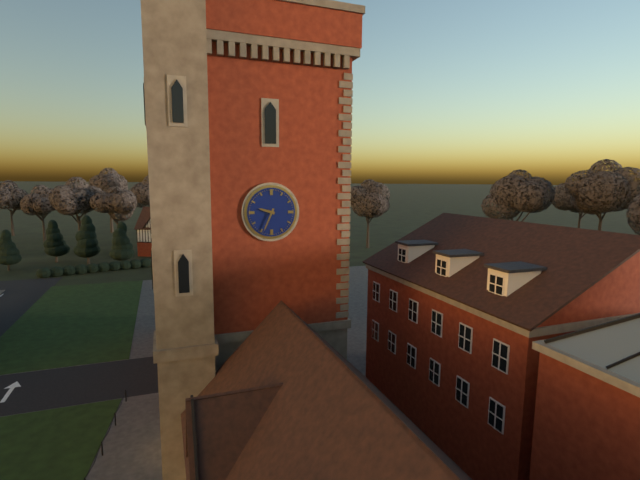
9.34
